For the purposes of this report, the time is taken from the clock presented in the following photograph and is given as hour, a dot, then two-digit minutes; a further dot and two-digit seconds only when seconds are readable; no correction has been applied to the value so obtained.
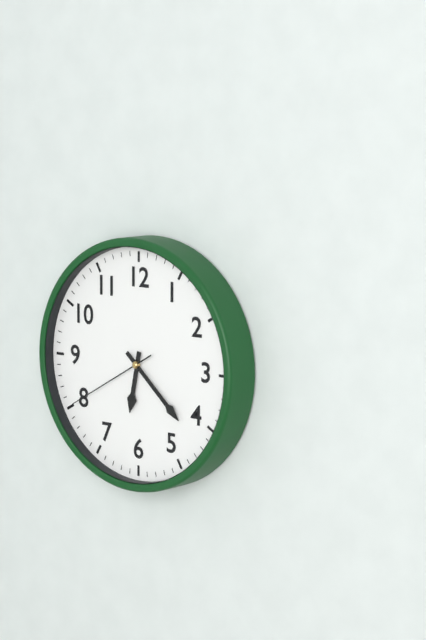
6.22.40
